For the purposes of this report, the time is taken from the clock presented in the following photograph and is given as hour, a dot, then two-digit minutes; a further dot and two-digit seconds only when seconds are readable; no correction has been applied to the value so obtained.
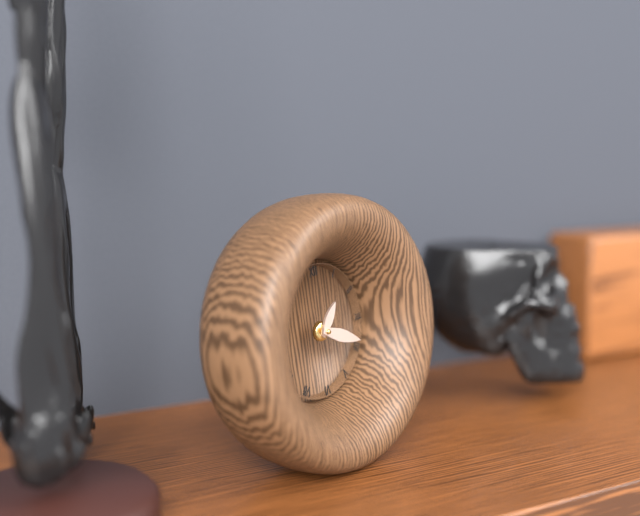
1.19
